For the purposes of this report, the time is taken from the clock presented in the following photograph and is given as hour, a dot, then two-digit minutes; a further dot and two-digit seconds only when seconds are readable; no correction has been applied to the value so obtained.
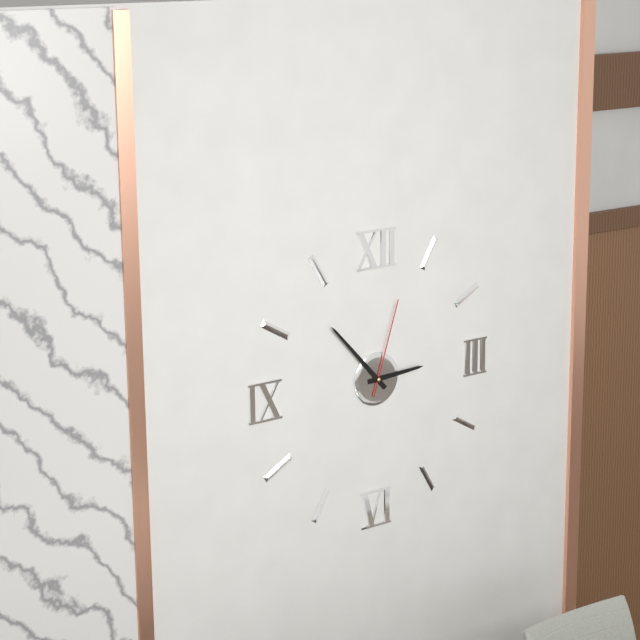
2.53.03
